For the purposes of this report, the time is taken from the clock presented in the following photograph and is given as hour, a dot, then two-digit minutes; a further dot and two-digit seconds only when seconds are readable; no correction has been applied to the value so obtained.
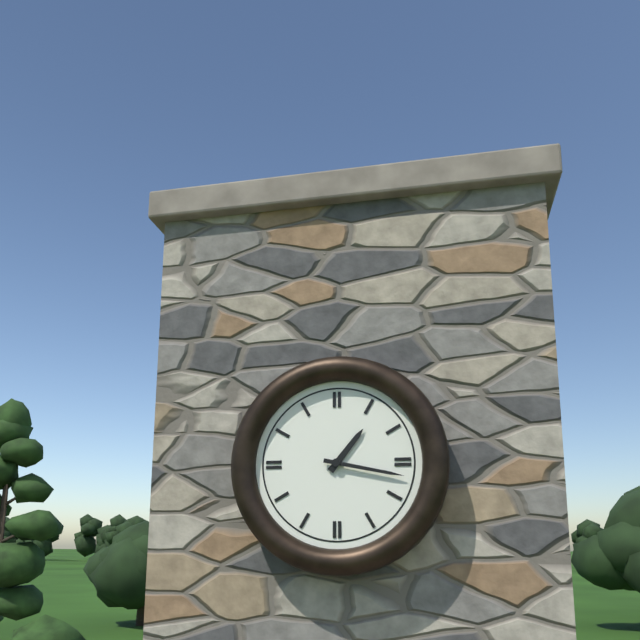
1.17
